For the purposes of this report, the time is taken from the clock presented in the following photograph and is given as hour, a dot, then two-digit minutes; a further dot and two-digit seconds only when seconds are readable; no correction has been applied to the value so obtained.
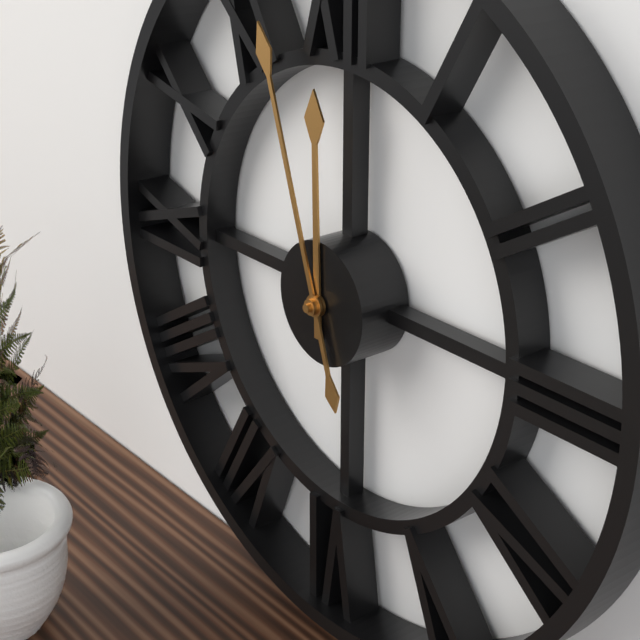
11.57
